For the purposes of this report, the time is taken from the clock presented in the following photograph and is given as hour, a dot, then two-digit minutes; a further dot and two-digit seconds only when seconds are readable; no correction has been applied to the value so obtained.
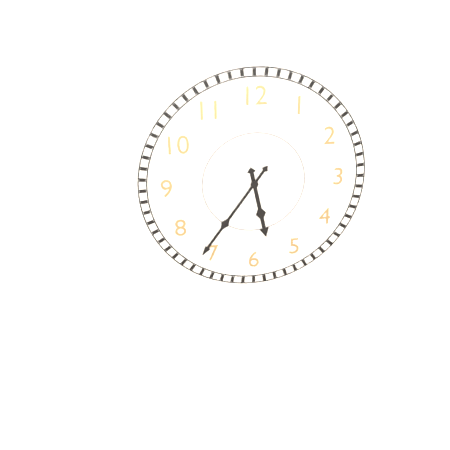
5.36
